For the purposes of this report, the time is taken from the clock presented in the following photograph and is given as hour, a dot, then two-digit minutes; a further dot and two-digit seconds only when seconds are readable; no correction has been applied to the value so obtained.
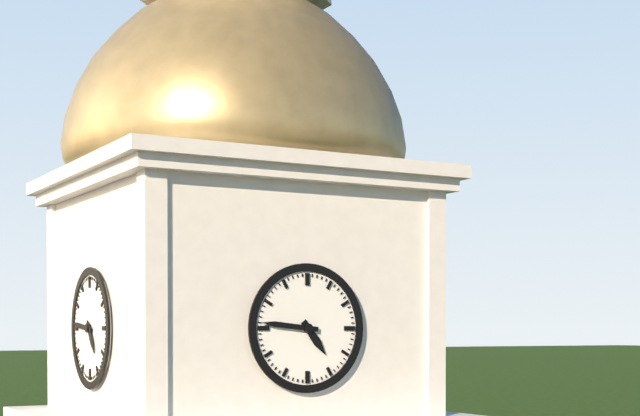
4.46
